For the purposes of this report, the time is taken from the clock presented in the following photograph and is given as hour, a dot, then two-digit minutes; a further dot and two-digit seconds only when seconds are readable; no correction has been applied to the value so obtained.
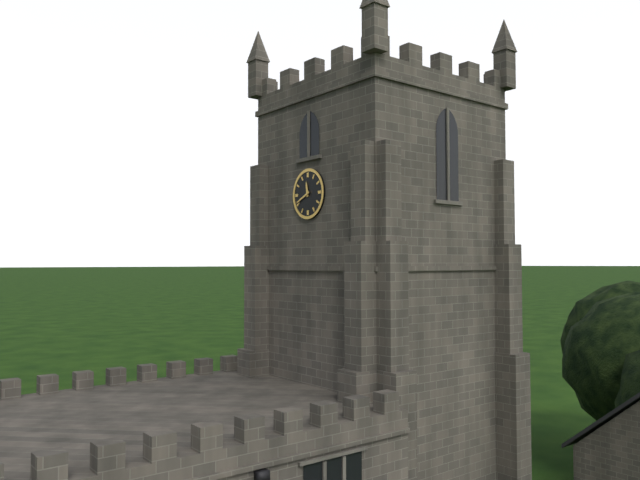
11.41
